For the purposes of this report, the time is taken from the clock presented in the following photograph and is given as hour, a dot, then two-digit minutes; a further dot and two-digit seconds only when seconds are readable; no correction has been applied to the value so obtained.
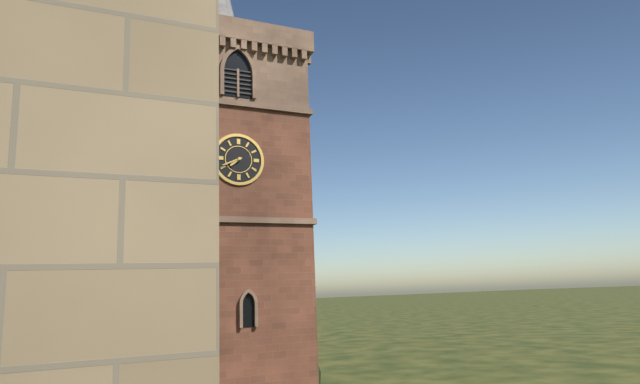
7.41
